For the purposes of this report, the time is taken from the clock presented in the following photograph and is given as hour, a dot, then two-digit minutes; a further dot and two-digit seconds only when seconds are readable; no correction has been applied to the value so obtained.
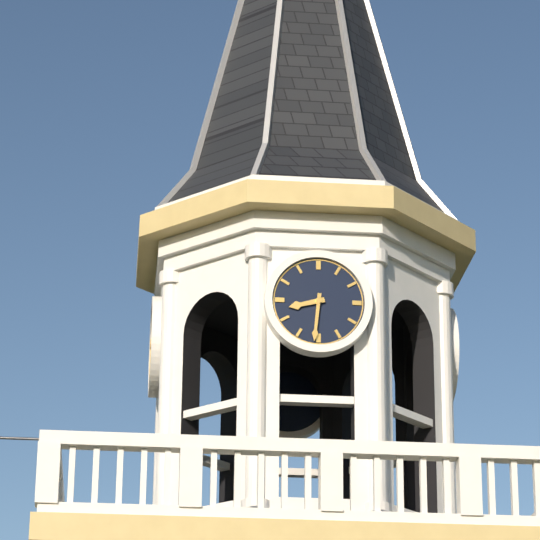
8.31
